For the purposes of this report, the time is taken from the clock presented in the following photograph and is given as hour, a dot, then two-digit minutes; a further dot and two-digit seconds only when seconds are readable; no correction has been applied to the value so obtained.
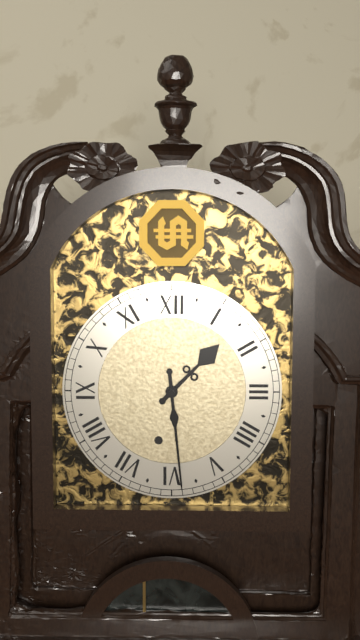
1.29
